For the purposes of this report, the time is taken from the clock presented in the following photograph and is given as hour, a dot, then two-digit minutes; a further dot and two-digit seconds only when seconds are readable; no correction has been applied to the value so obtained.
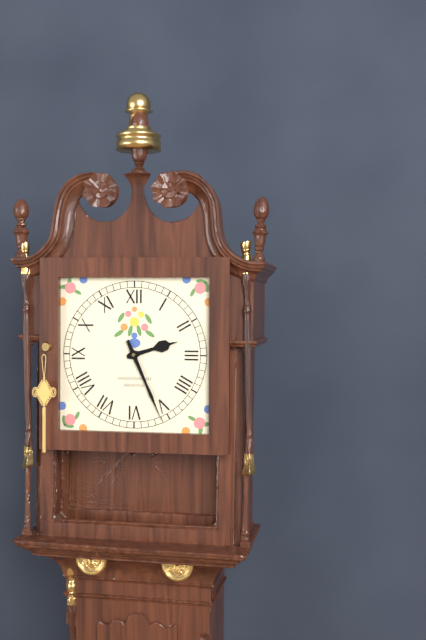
2.26
